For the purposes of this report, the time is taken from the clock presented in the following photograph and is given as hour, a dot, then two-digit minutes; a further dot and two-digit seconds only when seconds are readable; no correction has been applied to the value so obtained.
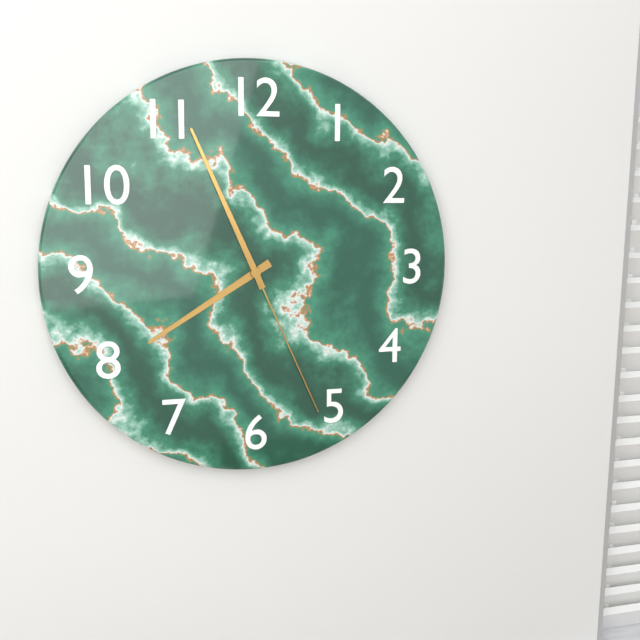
7.56.26
